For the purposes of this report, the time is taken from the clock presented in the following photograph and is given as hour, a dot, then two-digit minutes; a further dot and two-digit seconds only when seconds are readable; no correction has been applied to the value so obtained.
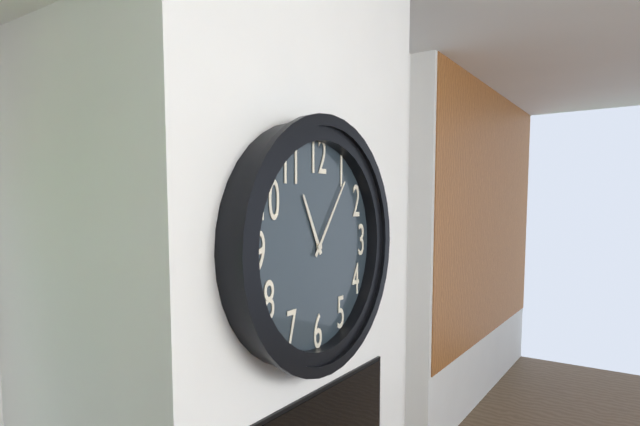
11.06
